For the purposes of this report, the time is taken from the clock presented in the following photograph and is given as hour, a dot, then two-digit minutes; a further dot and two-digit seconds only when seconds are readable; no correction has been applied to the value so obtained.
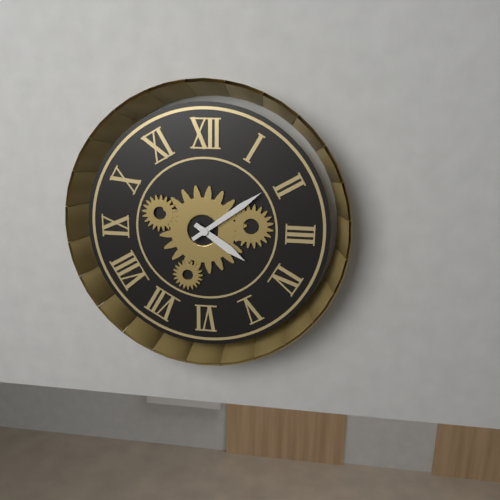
4.09
